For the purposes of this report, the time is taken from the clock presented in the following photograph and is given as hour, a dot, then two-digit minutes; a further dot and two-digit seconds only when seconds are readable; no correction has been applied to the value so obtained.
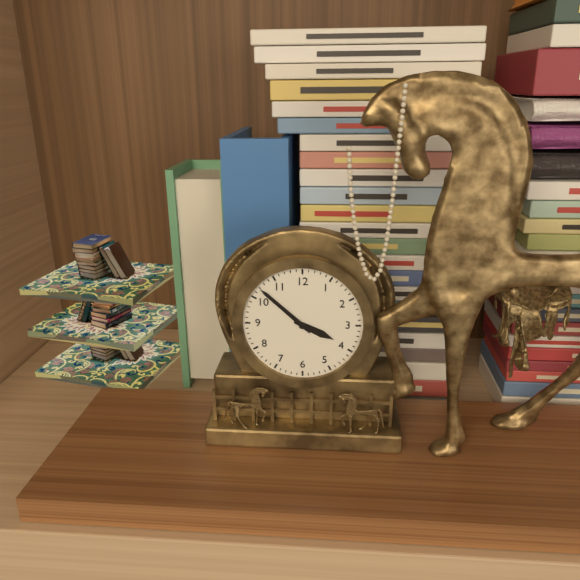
3.52
